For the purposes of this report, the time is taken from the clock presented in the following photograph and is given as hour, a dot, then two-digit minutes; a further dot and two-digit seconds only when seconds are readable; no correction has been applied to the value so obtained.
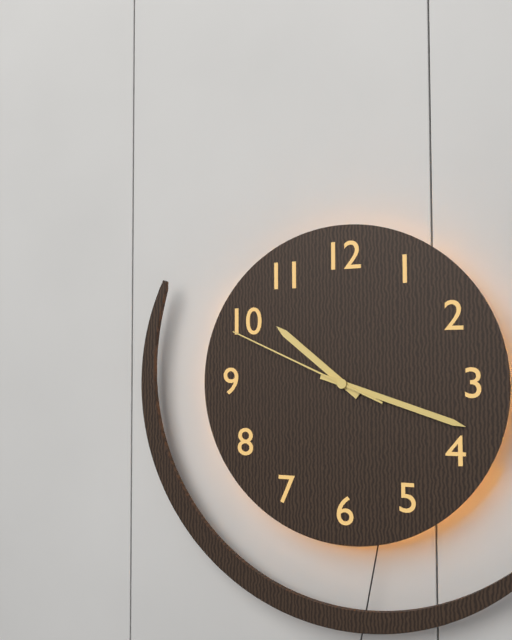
10.18.49
